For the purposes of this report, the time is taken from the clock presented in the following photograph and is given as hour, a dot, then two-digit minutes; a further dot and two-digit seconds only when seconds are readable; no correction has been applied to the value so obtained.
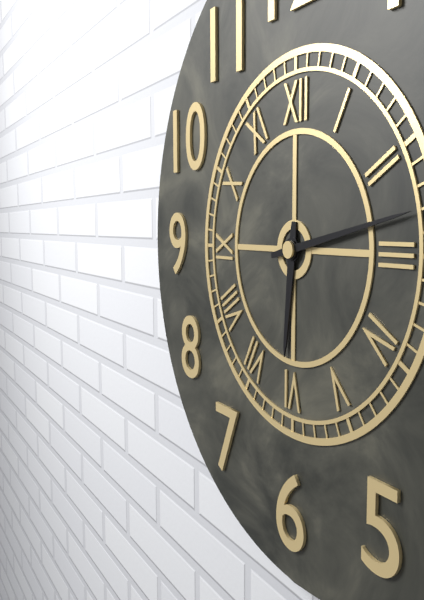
6.13
